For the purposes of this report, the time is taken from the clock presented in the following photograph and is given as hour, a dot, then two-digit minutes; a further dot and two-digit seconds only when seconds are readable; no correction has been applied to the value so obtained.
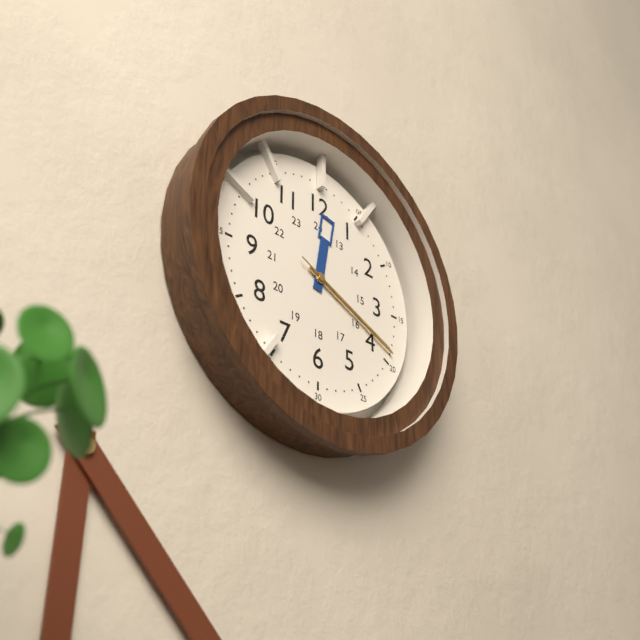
12.19.19
